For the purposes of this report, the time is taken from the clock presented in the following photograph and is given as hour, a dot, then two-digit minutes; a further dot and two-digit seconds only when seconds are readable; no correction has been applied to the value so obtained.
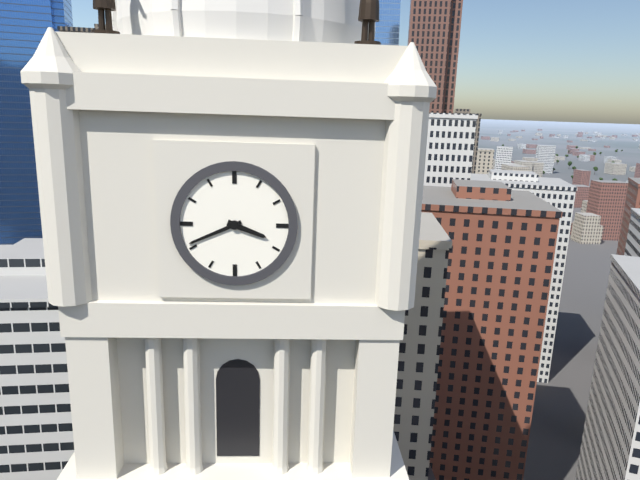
3.41
